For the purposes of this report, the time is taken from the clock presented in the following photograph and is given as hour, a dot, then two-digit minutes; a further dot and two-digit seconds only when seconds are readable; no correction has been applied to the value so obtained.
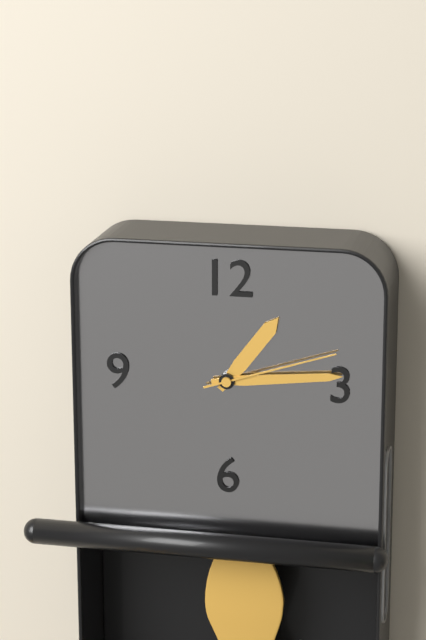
1.14.12
